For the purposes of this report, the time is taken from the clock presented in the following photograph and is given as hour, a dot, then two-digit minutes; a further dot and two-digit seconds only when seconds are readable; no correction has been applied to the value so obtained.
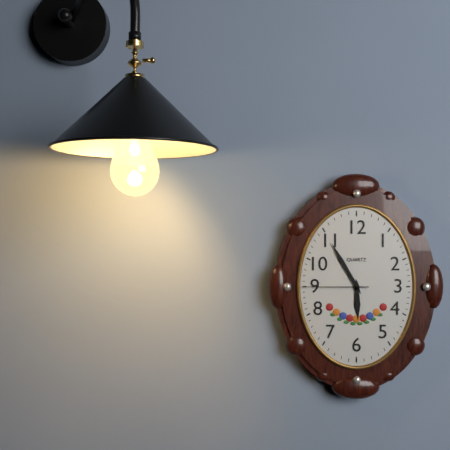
5.55.45
